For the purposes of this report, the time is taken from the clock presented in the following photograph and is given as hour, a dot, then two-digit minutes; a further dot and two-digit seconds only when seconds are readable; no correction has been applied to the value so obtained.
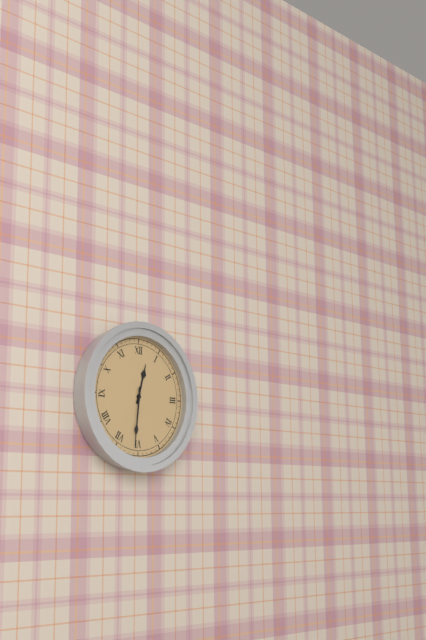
12.31
